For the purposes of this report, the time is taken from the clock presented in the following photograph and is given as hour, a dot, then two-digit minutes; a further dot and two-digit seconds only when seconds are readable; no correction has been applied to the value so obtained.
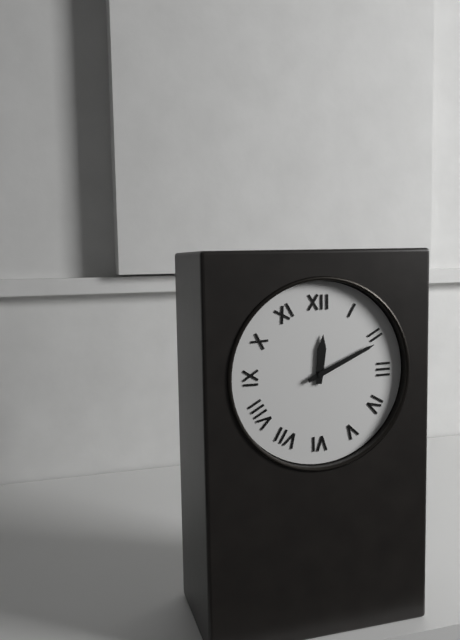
12.11
